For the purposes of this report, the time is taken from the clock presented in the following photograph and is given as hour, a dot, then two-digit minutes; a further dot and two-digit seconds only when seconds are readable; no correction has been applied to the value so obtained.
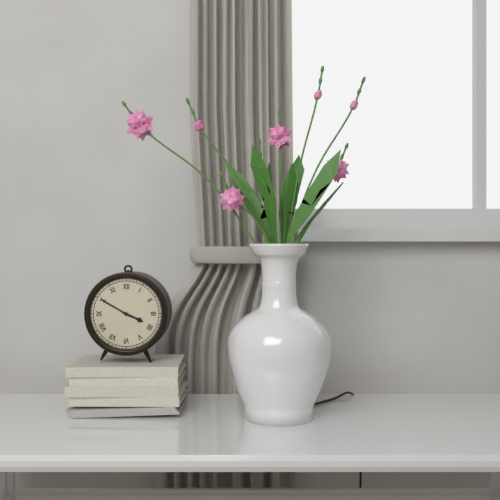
3.50
